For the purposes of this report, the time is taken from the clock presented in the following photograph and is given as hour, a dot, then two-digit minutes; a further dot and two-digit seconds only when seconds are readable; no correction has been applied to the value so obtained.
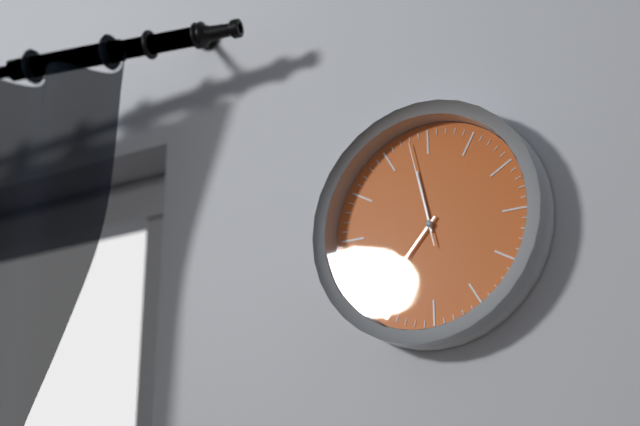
11.37.58
